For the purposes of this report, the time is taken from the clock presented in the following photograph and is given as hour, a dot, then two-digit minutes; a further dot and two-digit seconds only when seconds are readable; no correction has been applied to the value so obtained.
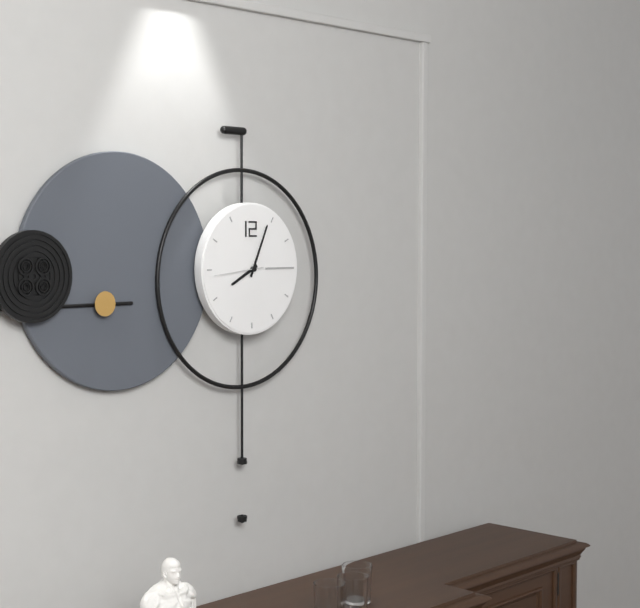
8.04
